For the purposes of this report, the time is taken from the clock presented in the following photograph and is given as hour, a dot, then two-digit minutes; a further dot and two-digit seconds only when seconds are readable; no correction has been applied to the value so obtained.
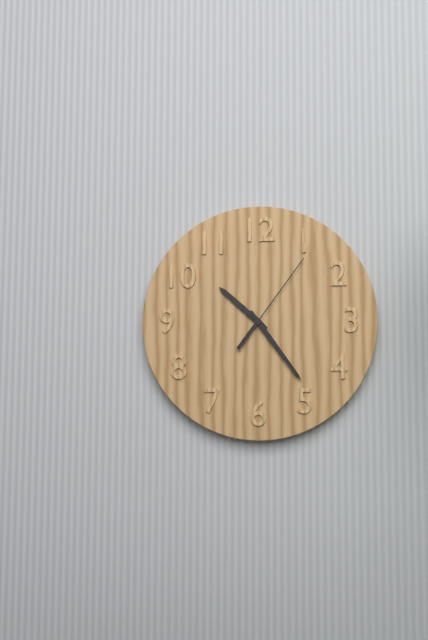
10.24.06
